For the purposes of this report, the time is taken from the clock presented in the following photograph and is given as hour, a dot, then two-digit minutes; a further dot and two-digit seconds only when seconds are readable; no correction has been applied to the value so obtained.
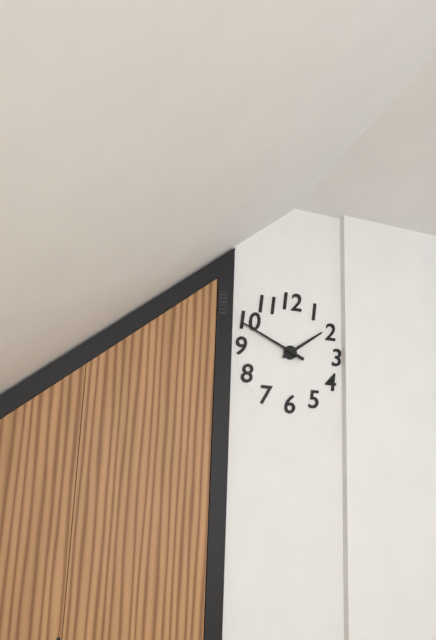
1.49
